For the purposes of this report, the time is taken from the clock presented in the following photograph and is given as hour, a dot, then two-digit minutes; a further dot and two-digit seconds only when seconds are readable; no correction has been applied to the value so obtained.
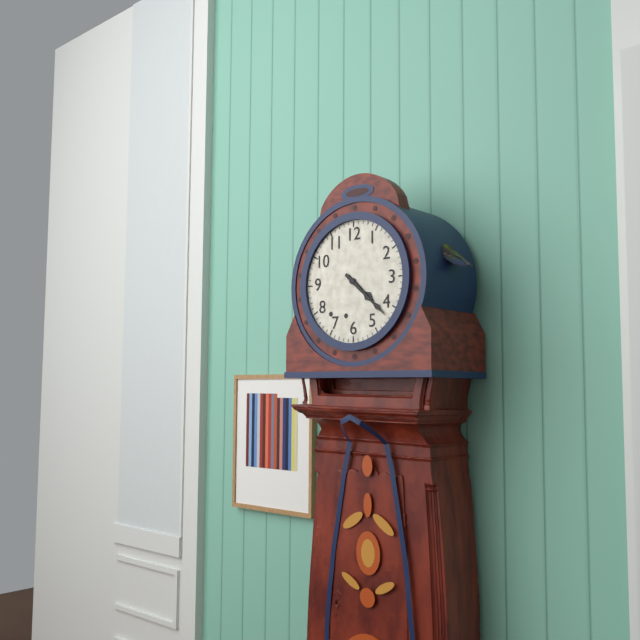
4.22
